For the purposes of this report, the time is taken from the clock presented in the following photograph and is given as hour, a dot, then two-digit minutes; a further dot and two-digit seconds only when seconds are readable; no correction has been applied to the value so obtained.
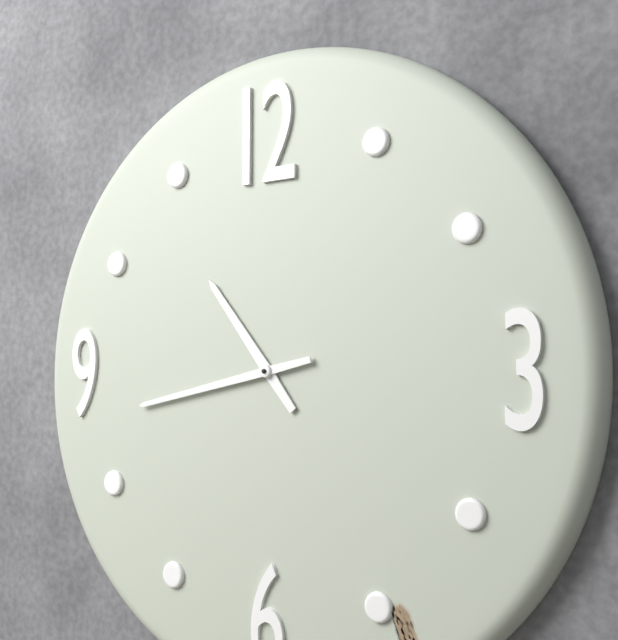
10.43
